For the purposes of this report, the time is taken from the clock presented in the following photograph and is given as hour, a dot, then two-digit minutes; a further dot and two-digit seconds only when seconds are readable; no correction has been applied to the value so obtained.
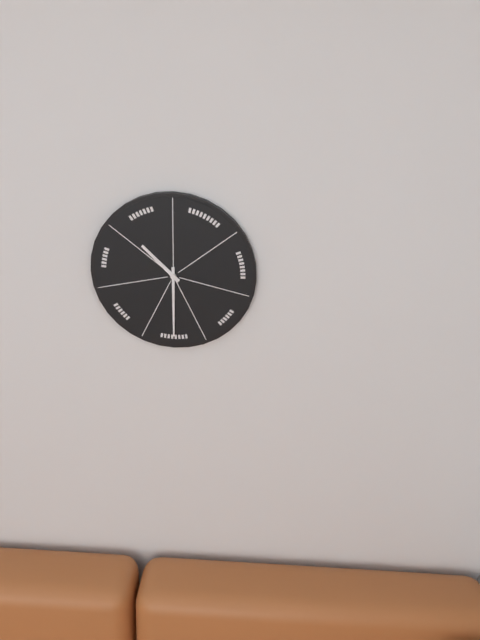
10.30
